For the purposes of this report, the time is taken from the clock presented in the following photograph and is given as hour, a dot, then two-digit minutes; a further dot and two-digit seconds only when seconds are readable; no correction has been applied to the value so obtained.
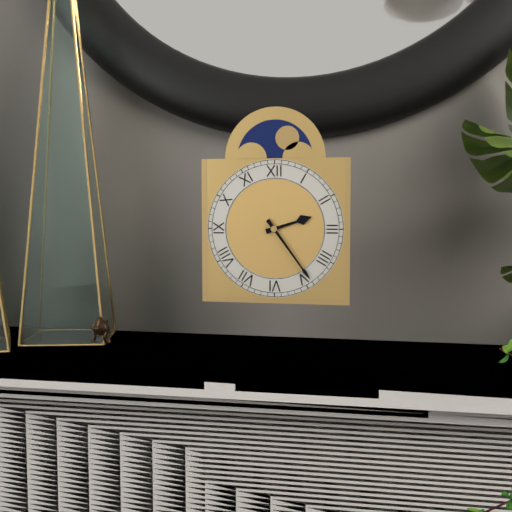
2.24
